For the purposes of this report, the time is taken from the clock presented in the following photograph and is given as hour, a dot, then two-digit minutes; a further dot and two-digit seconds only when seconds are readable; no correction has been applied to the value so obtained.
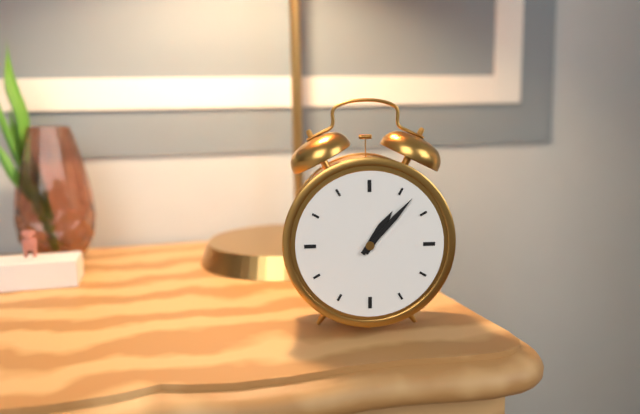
1.07
